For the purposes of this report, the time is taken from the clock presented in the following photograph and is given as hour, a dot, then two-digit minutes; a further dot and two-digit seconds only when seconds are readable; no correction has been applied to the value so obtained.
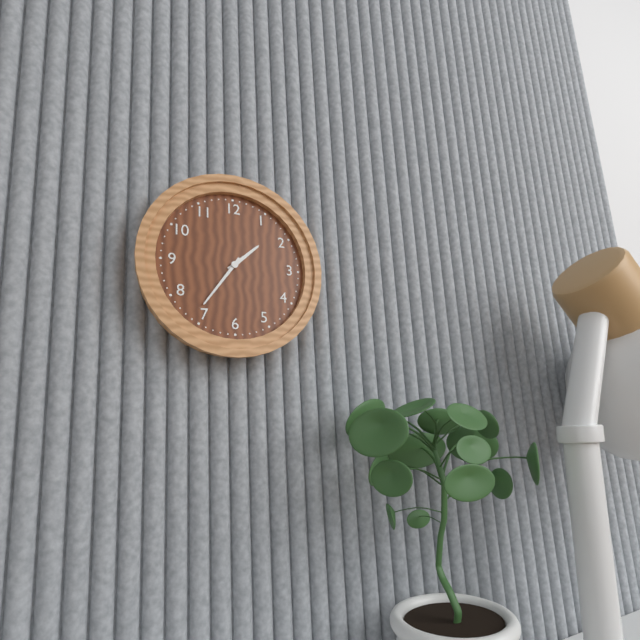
1.36
